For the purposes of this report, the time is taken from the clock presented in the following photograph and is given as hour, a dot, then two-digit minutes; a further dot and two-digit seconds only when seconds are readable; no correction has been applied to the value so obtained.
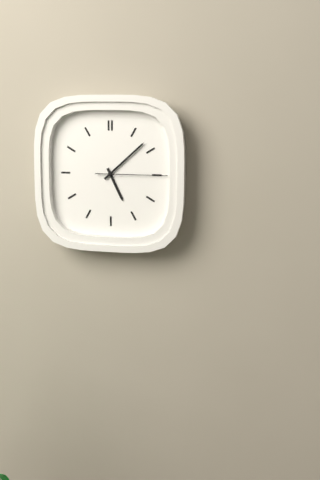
5.08.15
